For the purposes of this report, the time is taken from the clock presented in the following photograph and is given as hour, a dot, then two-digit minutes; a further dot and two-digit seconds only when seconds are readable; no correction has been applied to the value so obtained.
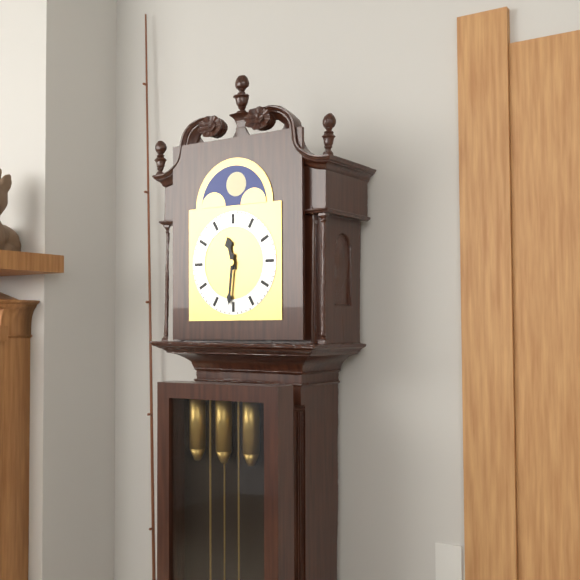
11.31
